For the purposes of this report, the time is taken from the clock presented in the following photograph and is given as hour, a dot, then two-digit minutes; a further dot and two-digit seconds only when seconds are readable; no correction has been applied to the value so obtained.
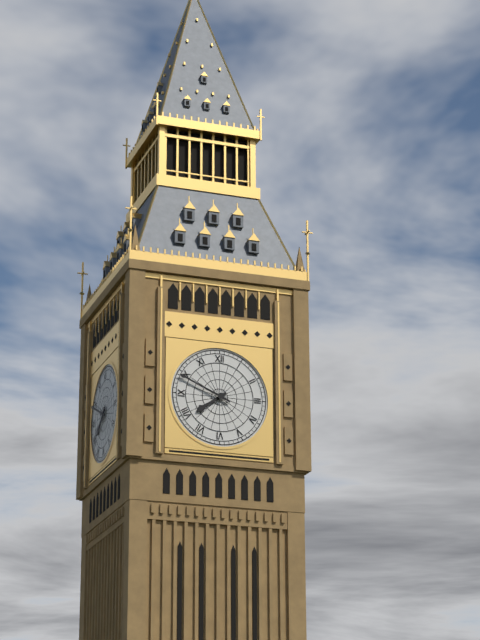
7.49
